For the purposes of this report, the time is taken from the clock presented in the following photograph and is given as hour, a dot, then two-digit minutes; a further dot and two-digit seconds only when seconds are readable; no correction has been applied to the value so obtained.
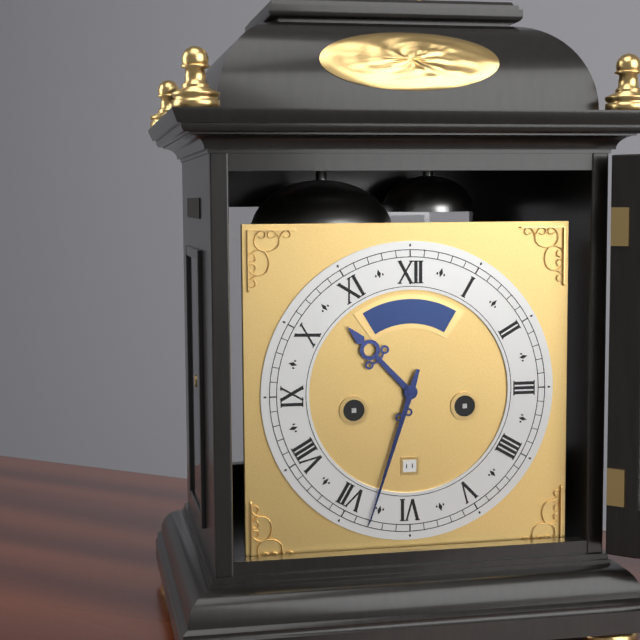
10.33
